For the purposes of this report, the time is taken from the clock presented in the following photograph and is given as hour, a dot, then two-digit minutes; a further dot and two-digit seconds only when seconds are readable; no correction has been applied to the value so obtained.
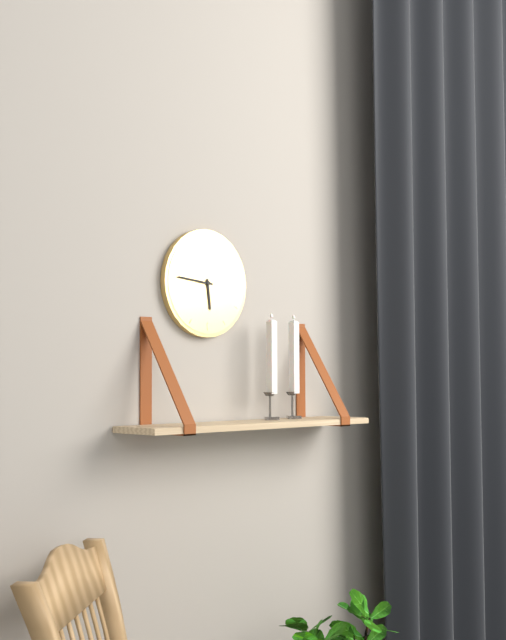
5.46
